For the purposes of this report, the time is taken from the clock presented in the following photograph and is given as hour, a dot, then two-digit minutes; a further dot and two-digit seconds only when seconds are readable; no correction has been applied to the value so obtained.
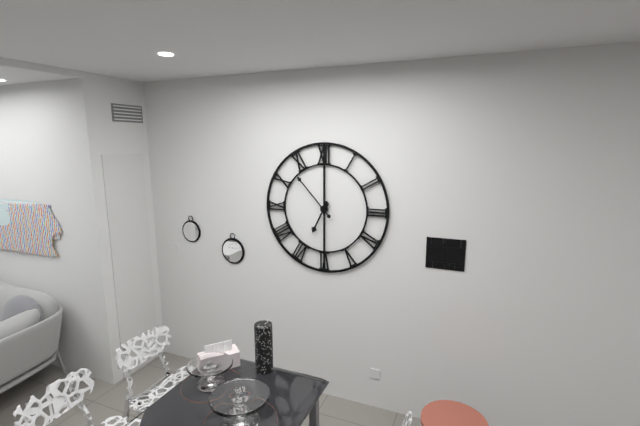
6.53
